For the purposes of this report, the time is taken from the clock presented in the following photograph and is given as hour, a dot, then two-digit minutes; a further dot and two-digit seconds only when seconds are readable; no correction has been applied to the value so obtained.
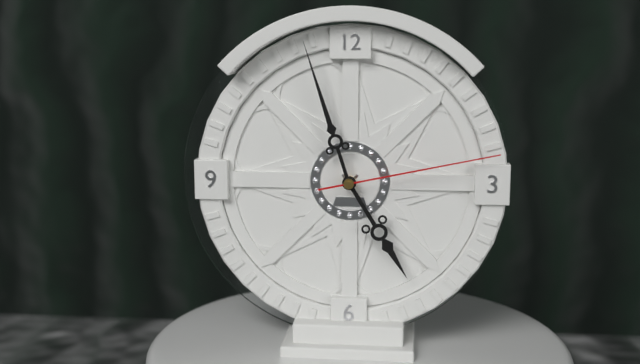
4.57.13
